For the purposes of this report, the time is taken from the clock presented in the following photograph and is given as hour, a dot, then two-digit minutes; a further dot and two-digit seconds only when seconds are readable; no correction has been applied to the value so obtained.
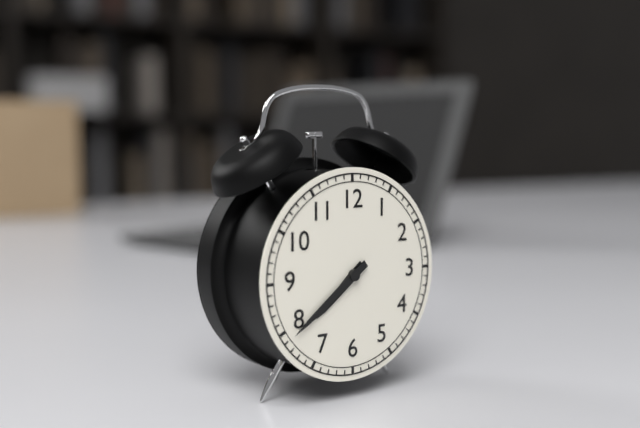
7.39
